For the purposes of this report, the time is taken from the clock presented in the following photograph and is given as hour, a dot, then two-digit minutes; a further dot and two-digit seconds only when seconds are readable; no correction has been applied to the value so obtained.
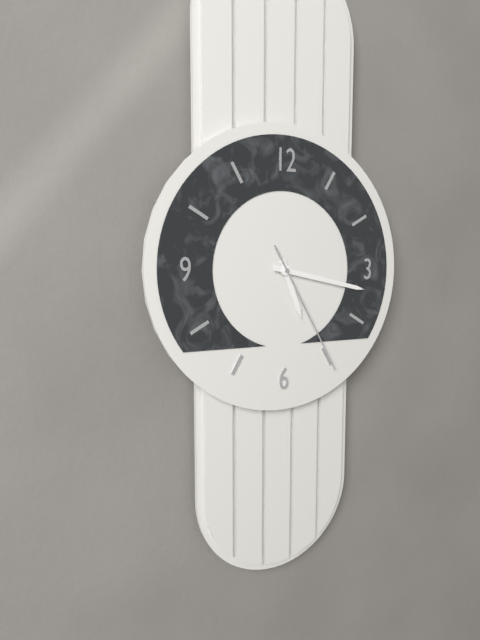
5.17.25
